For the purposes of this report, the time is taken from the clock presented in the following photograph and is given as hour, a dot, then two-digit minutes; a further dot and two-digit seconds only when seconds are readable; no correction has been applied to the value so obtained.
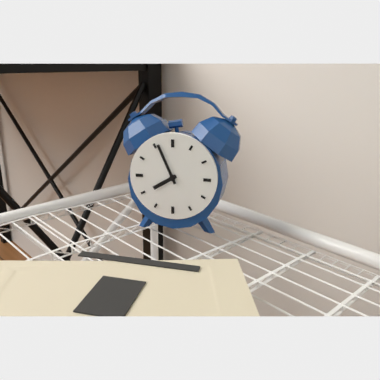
7.56
